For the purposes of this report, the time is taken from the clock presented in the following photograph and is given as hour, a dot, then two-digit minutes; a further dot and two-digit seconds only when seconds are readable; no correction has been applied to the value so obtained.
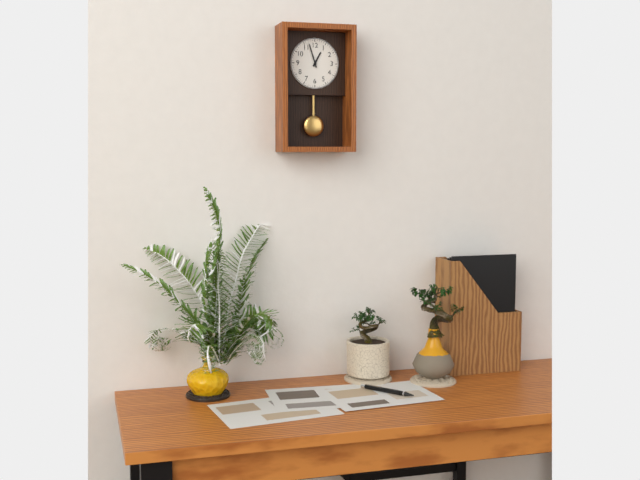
12.57
